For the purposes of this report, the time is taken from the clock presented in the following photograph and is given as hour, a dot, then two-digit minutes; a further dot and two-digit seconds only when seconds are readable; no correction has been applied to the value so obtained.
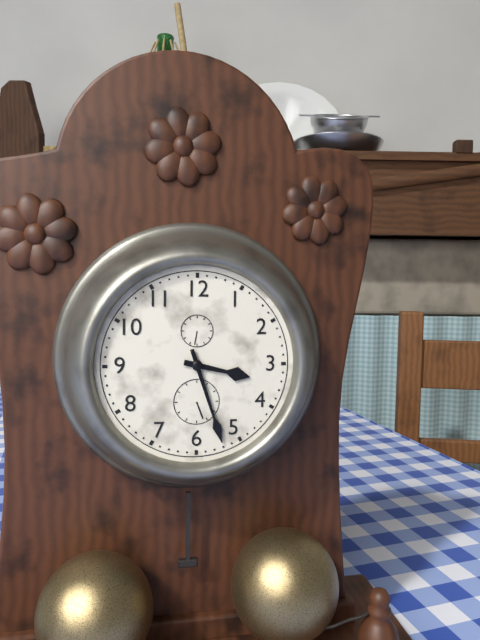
3.27
